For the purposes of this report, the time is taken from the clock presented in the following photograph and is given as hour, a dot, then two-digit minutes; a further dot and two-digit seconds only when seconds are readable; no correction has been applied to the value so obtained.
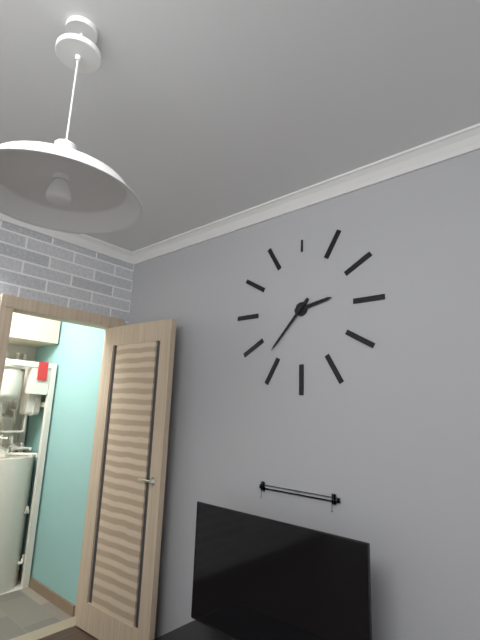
2.37
